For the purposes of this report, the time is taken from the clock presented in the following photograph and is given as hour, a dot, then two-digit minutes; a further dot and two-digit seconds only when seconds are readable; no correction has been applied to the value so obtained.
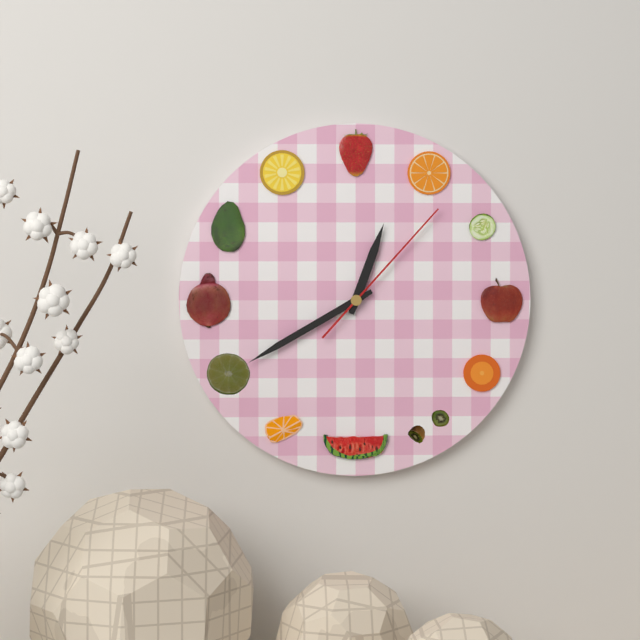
12.40.07
